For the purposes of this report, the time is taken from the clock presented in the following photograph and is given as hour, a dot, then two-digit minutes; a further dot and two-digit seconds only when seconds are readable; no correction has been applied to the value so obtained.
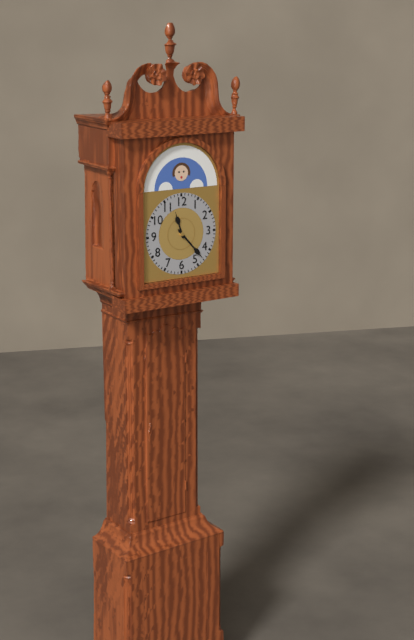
11.23
